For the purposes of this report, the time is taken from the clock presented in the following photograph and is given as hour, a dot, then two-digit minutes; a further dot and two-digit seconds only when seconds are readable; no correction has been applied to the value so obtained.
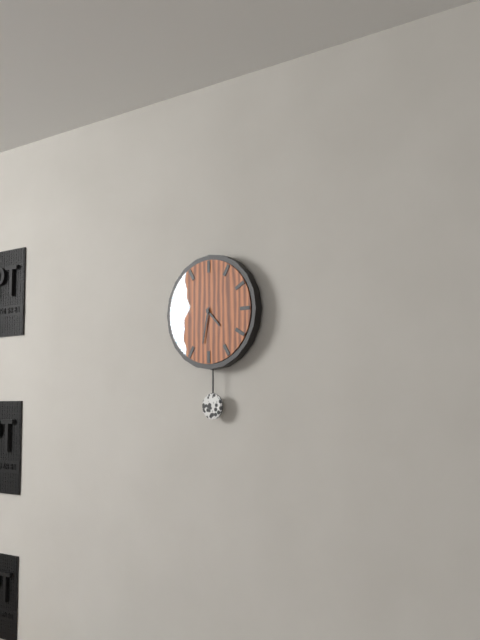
4.32
